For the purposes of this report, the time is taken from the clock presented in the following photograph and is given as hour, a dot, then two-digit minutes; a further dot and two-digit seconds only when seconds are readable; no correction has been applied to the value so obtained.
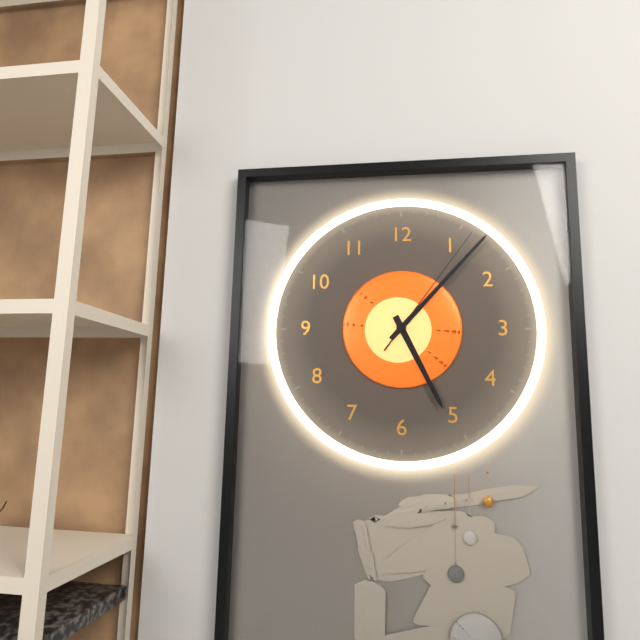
5.07.06
